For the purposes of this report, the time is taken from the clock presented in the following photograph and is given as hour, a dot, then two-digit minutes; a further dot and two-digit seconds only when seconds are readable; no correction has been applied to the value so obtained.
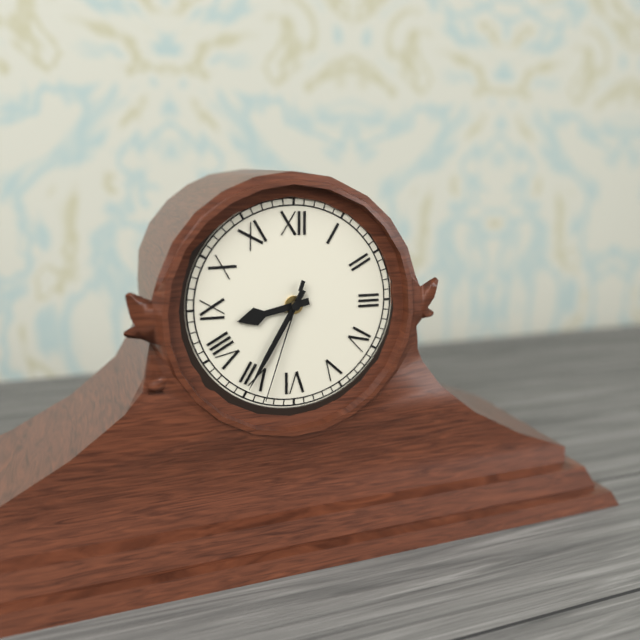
8.35.33
